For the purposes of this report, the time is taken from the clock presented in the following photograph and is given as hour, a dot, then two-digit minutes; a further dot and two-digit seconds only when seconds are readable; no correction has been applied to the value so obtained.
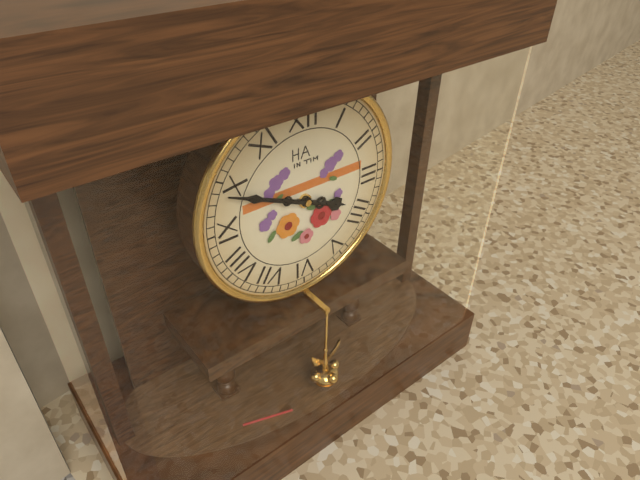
3.49
